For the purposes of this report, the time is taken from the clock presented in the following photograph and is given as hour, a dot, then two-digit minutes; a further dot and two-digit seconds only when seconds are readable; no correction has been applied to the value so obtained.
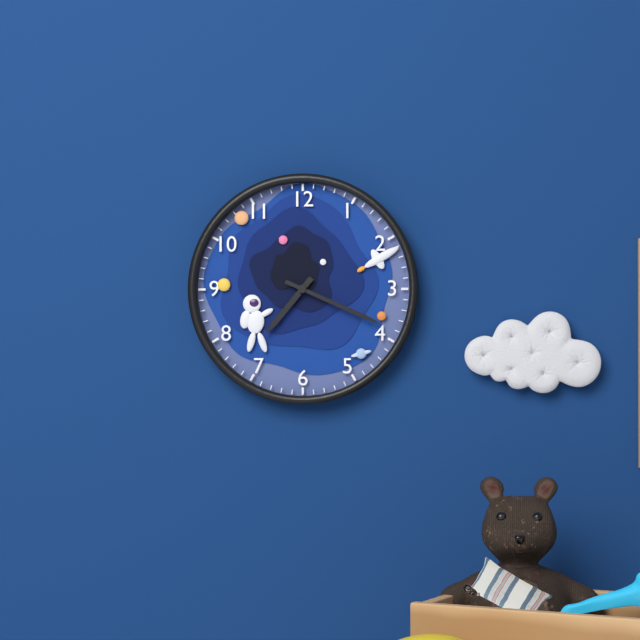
7.19
